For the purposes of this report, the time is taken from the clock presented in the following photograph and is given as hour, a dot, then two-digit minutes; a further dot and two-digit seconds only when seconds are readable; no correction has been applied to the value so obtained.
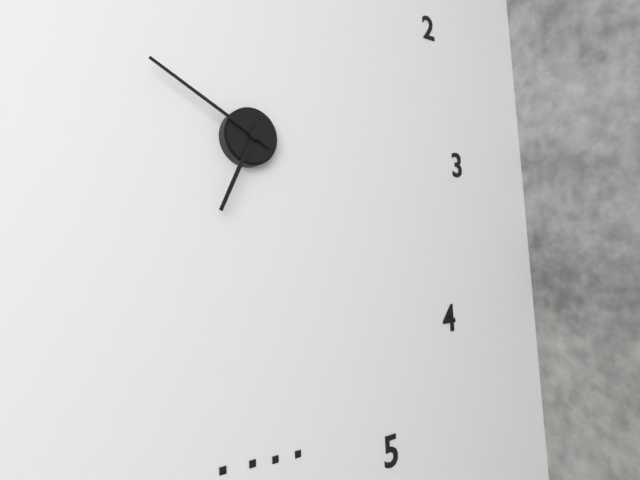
6.50
